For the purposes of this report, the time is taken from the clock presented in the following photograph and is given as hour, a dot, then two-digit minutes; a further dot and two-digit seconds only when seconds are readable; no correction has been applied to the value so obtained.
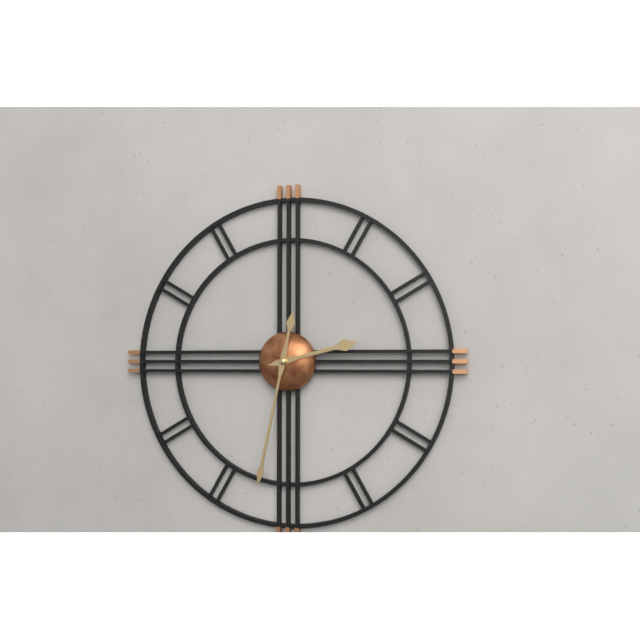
2.32
